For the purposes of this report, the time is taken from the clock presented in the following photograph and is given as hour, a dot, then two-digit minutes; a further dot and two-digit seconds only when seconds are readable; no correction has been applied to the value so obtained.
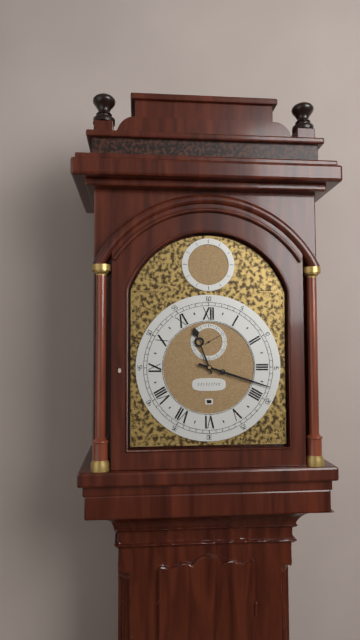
11.18
